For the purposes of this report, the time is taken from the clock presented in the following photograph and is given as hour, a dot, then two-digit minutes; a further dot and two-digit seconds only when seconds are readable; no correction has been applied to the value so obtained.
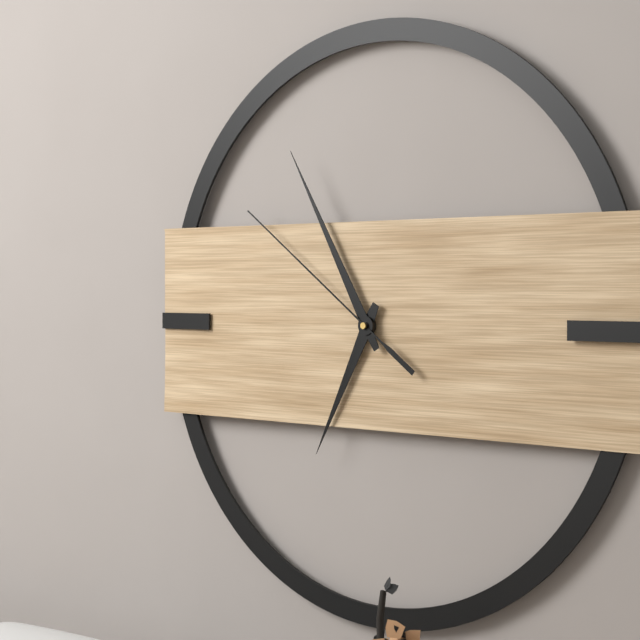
6.55.51
